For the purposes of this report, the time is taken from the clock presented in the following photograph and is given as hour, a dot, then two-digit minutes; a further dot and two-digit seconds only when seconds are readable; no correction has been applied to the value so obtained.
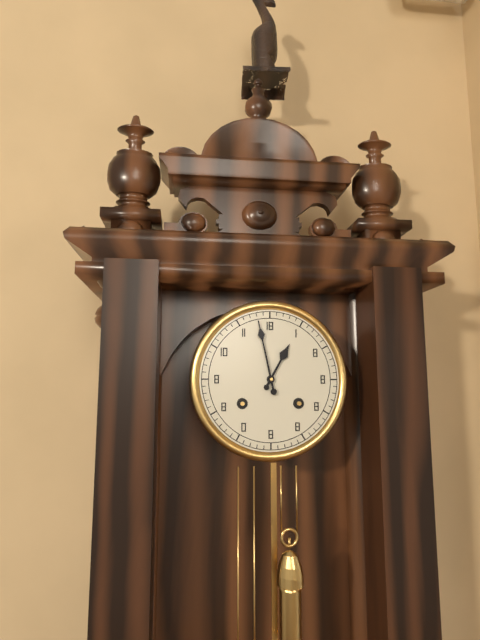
12.58
